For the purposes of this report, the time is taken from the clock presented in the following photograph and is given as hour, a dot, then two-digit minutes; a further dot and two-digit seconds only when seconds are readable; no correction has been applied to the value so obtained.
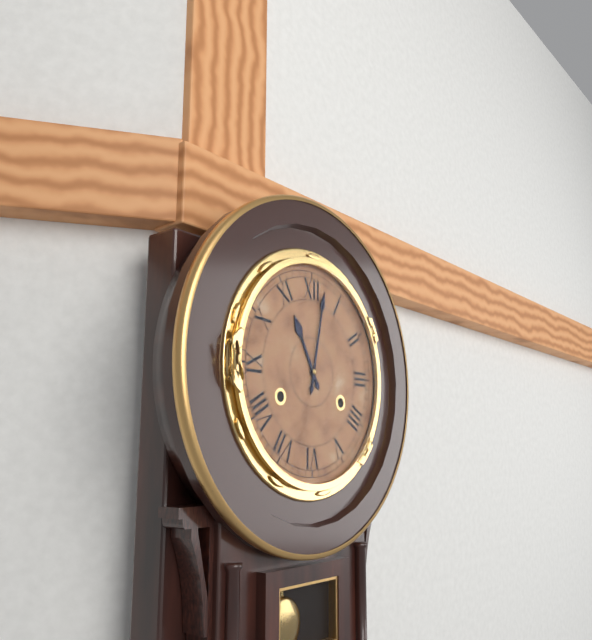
11.02
